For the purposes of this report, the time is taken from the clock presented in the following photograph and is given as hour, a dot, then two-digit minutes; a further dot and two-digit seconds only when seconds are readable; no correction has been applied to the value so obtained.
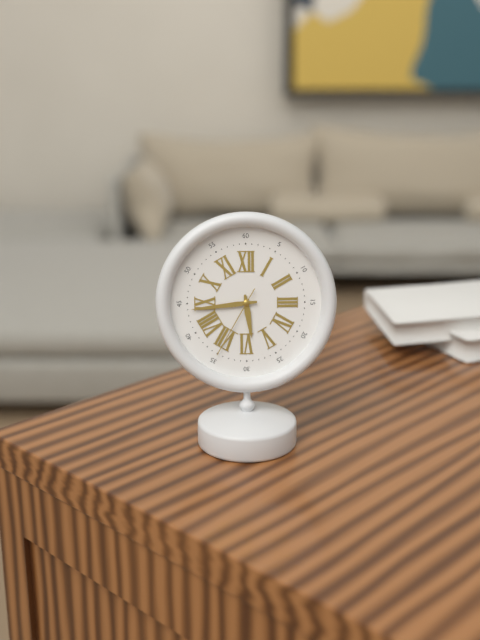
5.44.35
